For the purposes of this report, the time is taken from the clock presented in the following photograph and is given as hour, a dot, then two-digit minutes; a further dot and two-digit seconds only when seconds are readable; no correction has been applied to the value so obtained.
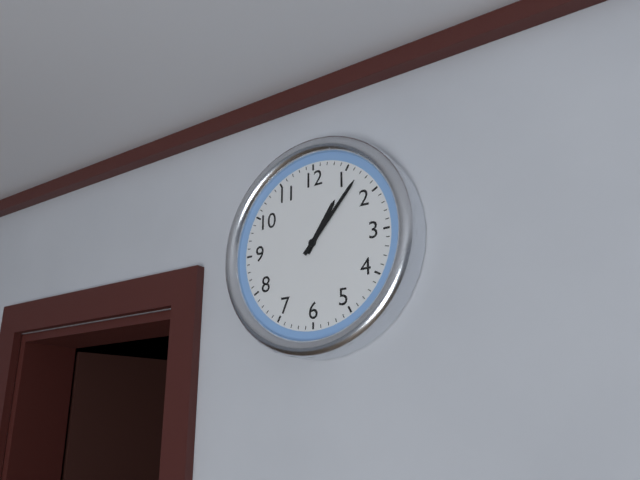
1.07
